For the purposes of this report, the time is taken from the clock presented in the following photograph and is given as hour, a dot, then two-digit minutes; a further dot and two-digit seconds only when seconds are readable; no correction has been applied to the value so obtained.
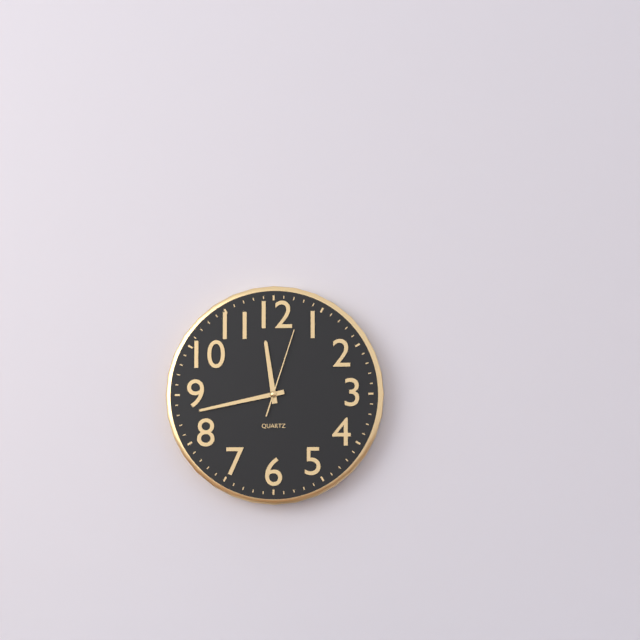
11.43.03
